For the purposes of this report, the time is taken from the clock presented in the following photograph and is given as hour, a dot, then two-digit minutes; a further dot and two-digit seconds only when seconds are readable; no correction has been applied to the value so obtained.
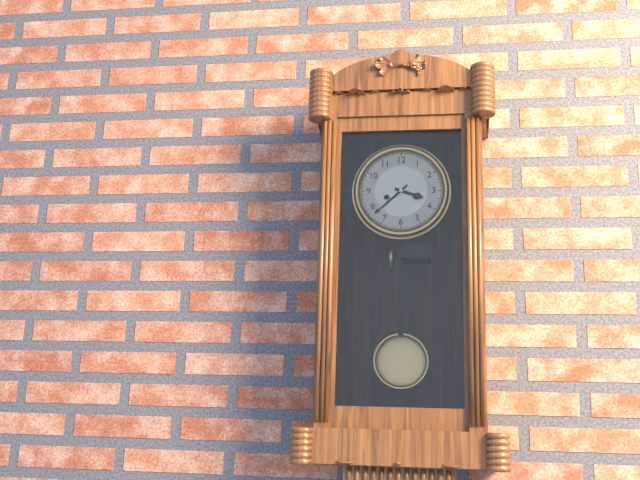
3.38
